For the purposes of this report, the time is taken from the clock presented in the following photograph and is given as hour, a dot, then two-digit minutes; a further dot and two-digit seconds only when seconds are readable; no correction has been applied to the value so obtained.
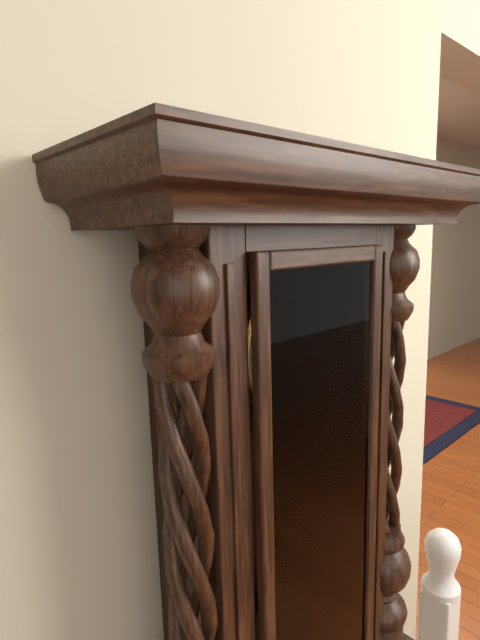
12.30
